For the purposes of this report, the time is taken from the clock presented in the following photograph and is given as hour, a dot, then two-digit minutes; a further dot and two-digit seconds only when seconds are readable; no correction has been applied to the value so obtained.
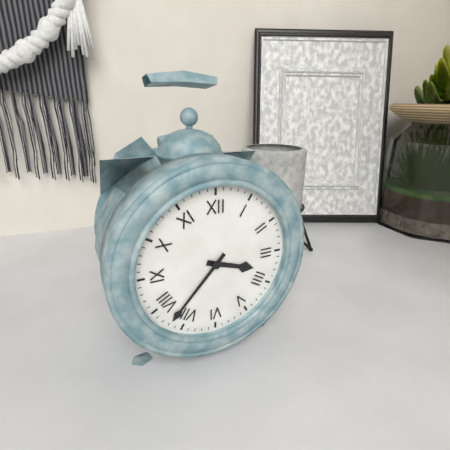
3.37
